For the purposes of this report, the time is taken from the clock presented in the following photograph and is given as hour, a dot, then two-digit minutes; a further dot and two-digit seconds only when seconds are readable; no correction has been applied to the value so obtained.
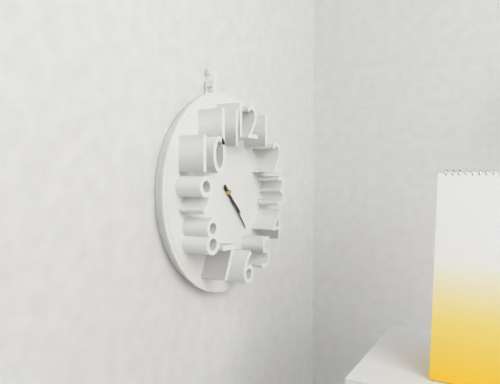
4.23
